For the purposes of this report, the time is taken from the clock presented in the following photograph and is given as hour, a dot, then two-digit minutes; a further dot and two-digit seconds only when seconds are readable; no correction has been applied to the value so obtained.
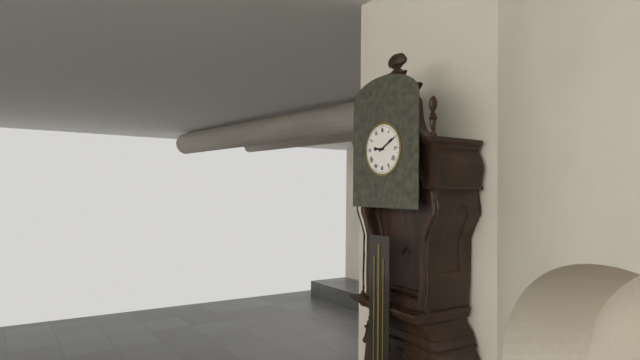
9.10
